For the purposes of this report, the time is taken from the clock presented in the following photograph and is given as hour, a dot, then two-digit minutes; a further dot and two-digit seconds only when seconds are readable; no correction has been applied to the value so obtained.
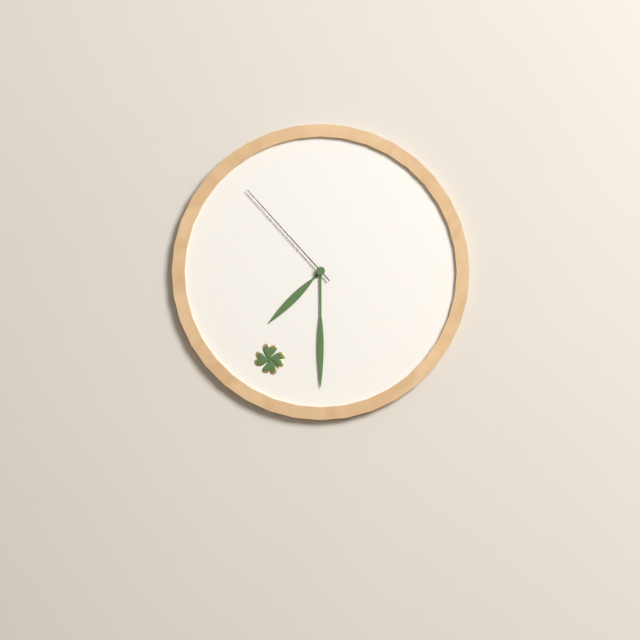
7.30.53
